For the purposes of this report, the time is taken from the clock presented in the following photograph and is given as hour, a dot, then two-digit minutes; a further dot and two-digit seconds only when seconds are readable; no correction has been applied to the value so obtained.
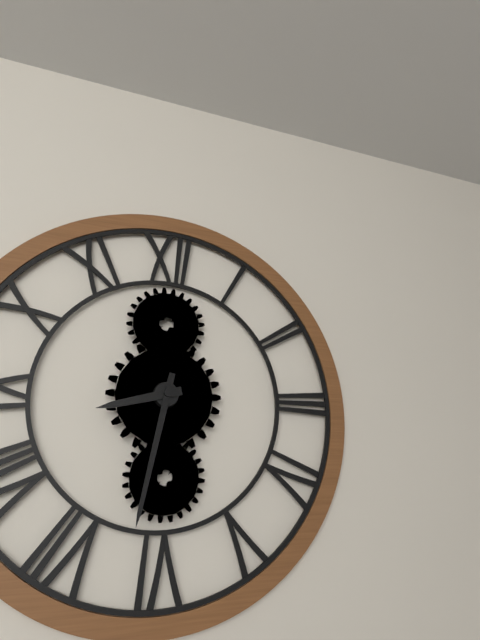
8.32
